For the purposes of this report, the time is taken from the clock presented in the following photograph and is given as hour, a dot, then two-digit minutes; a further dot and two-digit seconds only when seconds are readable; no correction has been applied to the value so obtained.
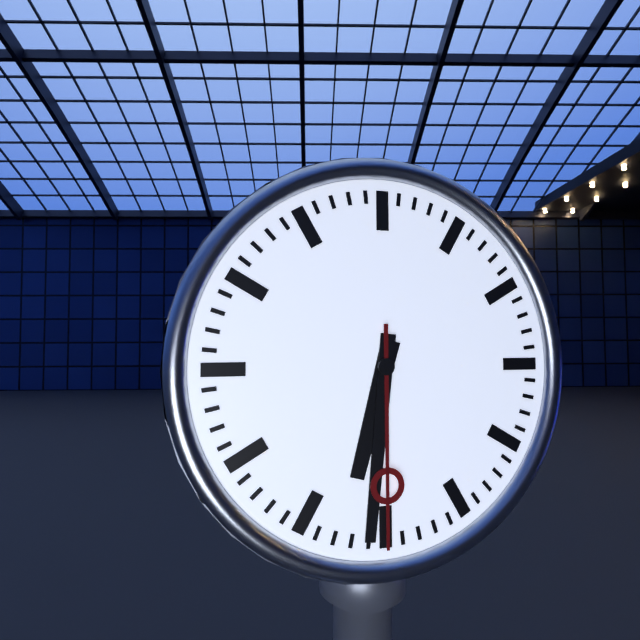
6.31.30
